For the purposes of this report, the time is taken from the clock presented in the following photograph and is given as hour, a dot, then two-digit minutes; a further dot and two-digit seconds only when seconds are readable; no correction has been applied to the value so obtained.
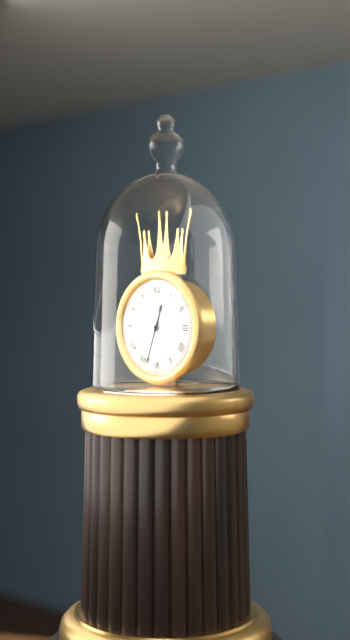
12.33
